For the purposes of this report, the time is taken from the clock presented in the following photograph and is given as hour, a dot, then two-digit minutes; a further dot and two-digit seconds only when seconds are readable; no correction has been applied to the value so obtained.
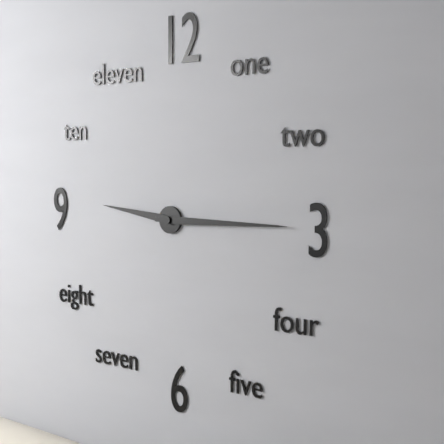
9.15
